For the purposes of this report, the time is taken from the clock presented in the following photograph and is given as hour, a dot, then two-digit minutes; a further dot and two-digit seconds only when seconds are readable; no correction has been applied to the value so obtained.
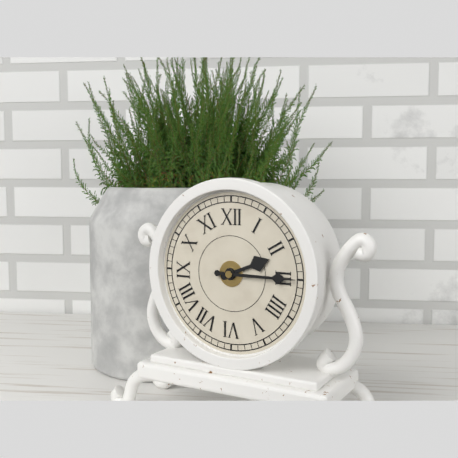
2.15
